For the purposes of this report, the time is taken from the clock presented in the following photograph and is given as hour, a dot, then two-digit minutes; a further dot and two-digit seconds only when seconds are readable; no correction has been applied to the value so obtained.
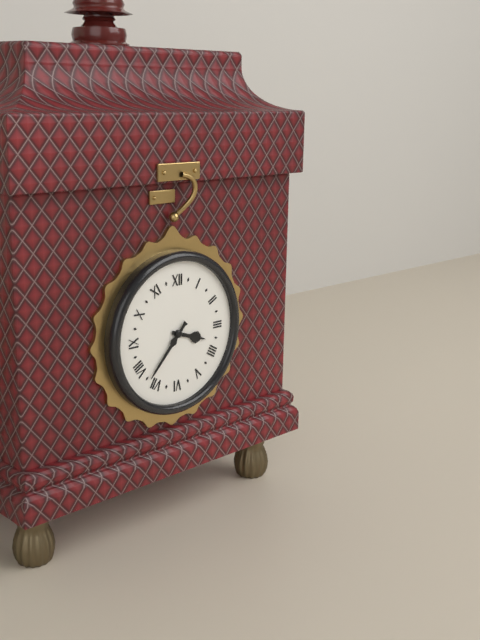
3.37
